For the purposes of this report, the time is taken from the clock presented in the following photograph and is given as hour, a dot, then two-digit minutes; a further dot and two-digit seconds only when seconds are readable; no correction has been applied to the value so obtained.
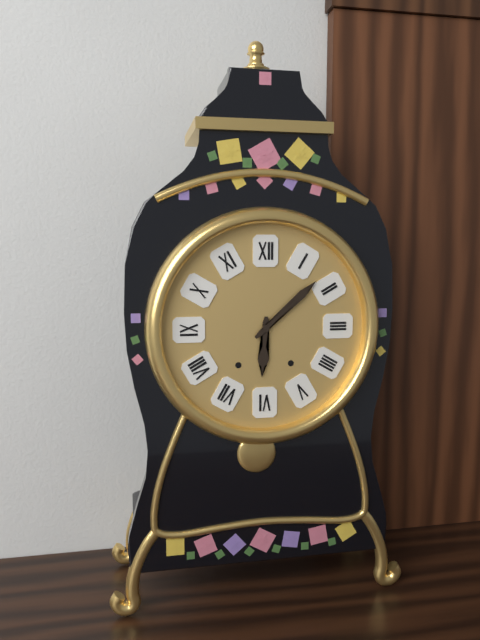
6.08
